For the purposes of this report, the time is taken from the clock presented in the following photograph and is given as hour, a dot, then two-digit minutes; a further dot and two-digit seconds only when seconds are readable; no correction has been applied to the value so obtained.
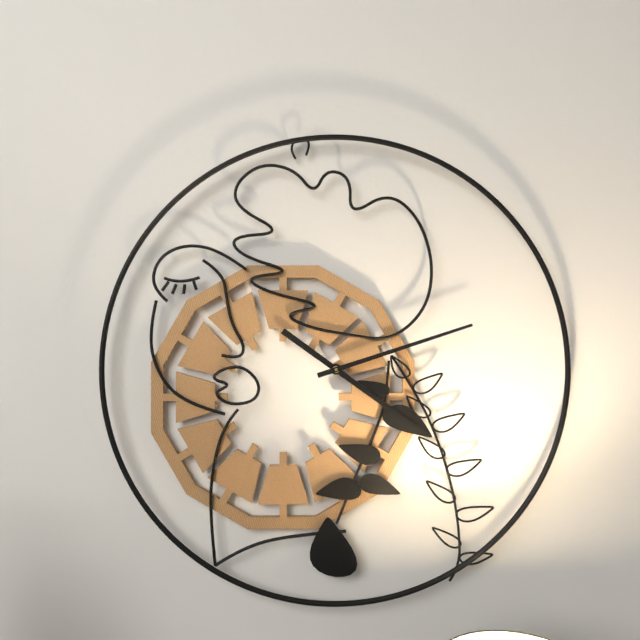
4.12
